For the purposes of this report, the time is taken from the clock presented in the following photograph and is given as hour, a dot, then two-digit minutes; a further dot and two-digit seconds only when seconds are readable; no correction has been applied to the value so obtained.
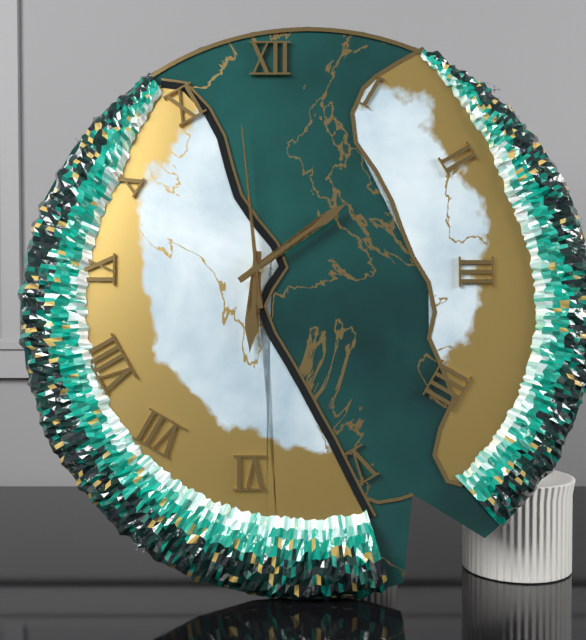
6.09.59
